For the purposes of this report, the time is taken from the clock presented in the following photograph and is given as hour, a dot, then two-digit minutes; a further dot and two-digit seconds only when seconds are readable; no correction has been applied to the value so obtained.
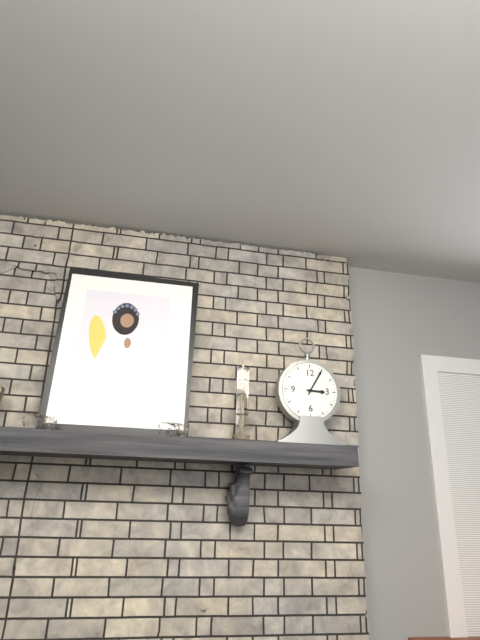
3.05
